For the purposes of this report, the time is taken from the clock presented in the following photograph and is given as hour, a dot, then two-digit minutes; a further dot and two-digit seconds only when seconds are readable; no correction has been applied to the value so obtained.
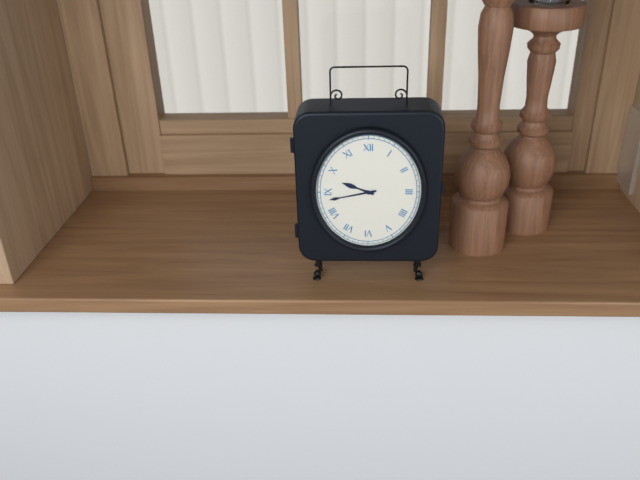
9.43
